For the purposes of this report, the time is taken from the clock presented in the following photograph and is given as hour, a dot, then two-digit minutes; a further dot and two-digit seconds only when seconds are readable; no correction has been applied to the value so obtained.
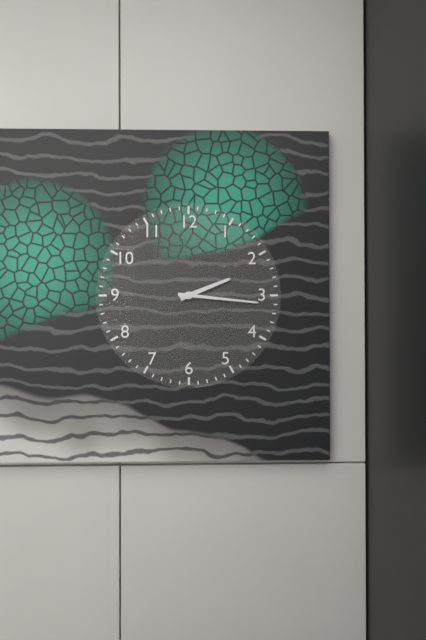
2.16
